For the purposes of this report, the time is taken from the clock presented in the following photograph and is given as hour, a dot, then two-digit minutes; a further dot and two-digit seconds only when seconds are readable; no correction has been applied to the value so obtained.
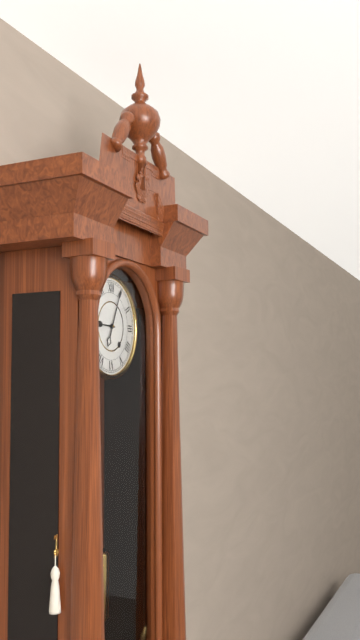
9.04
